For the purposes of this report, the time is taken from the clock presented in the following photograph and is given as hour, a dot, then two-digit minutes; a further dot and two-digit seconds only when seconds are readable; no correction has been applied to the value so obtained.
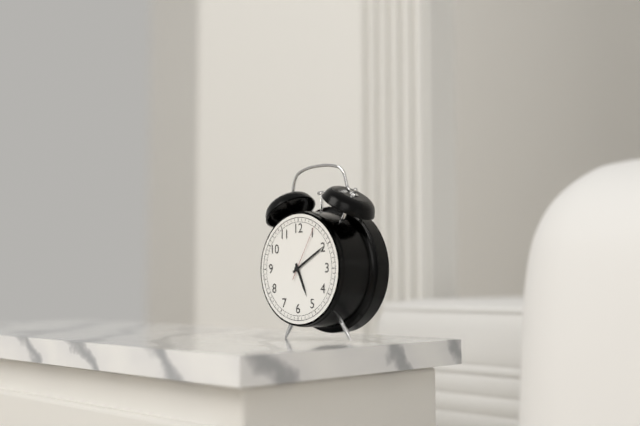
5.10.05
